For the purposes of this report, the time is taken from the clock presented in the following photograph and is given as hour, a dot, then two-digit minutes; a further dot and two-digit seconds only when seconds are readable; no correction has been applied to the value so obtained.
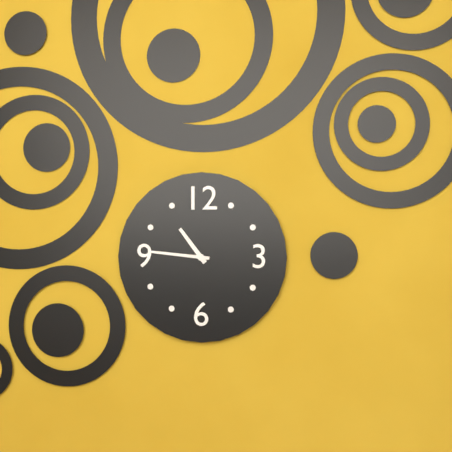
10.46
